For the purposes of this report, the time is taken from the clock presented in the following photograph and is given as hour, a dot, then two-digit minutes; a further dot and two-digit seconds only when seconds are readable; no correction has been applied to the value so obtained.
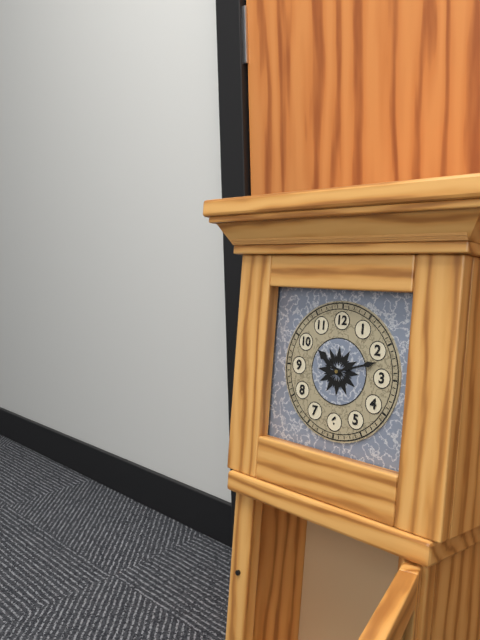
10.12
